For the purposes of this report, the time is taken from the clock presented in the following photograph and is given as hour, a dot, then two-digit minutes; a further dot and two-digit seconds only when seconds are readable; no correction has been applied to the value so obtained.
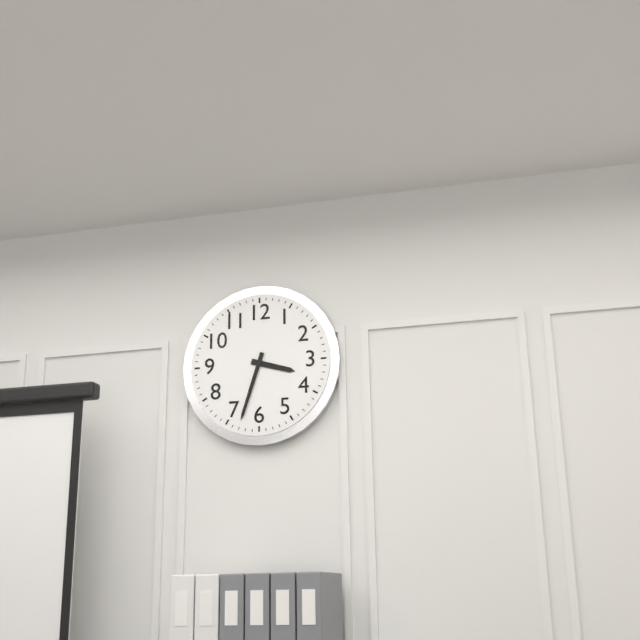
3.33
